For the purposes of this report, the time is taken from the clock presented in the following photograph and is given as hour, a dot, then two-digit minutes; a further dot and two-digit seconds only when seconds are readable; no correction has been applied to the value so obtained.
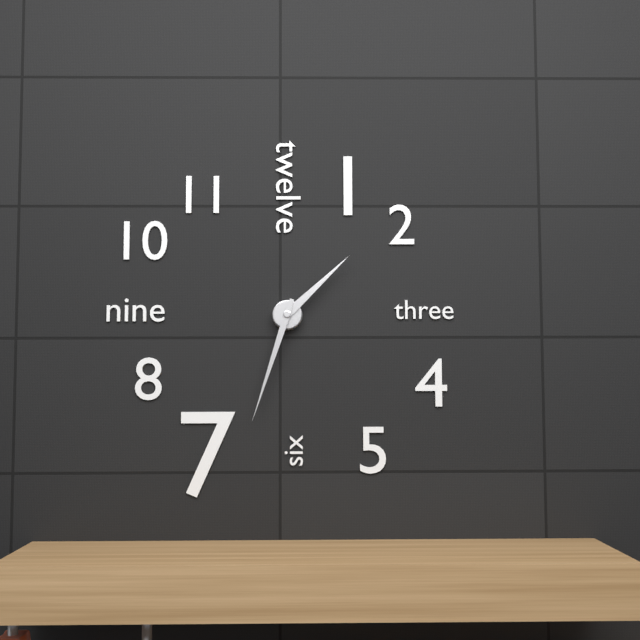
1.33
